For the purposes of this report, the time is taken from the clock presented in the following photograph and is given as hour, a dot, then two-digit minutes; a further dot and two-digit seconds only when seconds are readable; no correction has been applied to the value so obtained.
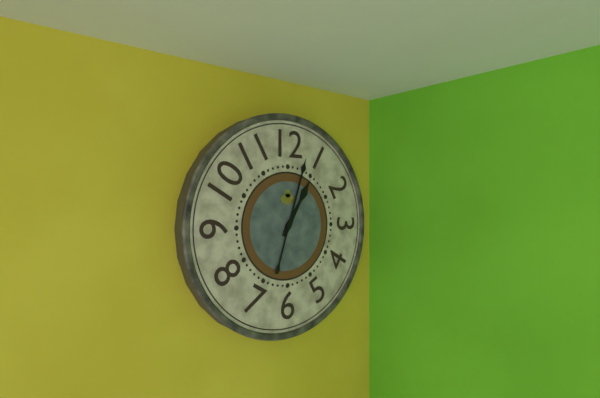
1.03
